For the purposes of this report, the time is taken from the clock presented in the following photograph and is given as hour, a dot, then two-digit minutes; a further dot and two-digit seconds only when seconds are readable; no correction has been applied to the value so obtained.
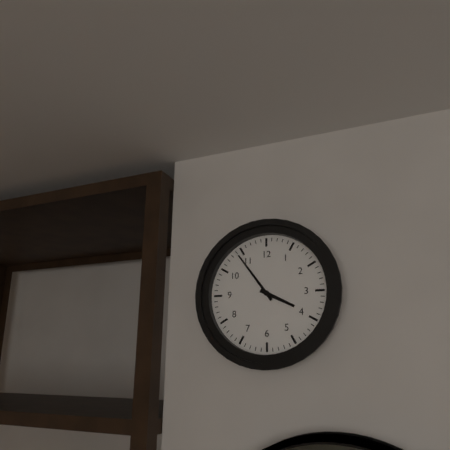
3.54
